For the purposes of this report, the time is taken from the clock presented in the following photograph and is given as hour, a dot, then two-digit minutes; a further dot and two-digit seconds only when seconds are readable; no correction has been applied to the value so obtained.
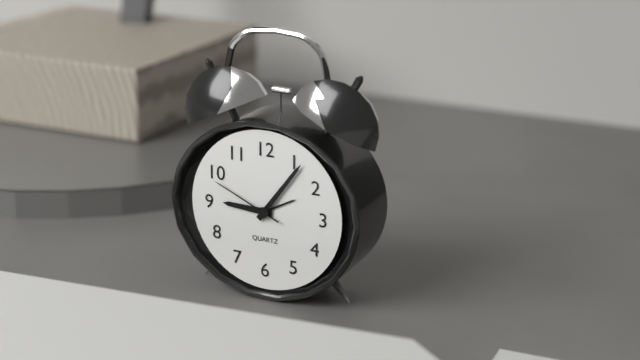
9.06.49
